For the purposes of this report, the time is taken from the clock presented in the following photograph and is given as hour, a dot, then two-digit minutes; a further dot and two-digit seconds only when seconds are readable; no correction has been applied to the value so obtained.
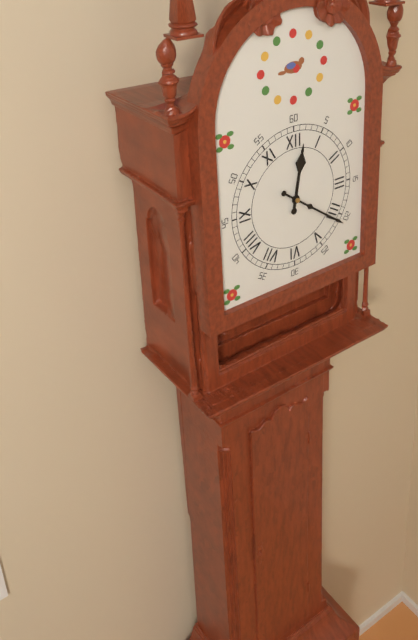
12.21
